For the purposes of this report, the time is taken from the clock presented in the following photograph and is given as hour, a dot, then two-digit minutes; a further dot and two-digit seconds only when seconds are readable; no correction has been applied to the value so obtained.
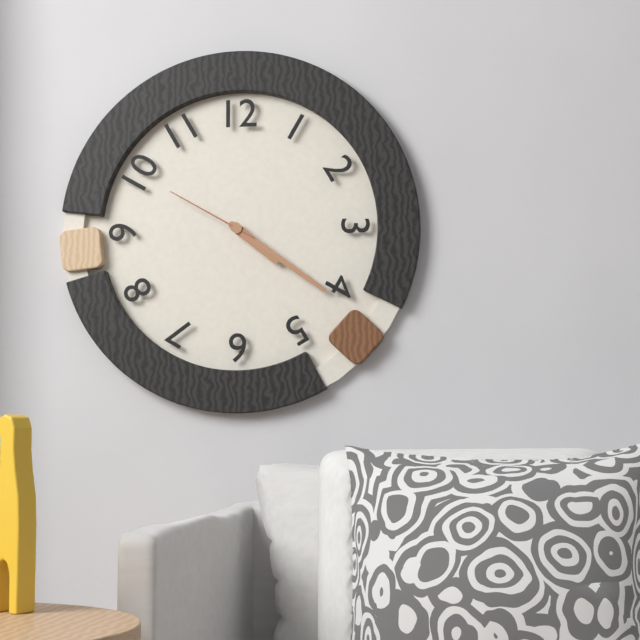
4.21.50
